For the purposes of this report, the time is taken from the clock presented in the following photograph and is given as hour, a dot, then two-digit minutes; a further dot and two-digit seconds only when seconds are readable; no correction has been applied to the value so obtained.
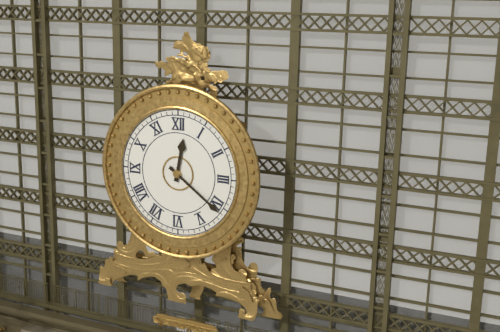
12.21
